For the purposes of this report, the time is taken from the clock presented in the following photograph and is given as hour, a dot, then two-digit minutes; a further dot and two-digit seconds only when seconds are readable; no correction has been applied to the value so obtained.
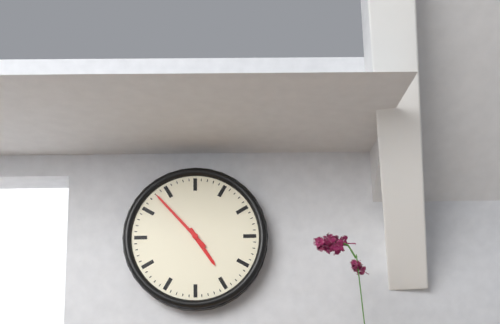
4.53
